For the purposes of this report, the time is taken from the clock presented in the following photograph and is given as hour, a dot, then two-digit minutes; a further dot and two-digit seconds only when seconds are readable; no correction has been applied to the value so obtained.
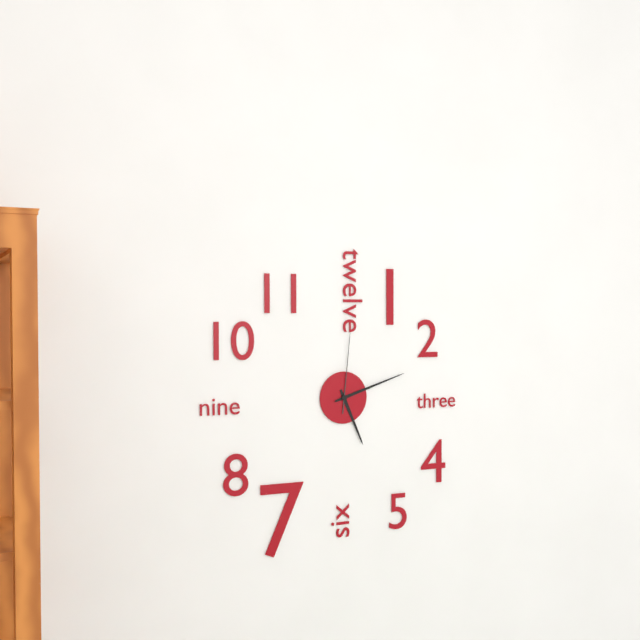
5.12.01
